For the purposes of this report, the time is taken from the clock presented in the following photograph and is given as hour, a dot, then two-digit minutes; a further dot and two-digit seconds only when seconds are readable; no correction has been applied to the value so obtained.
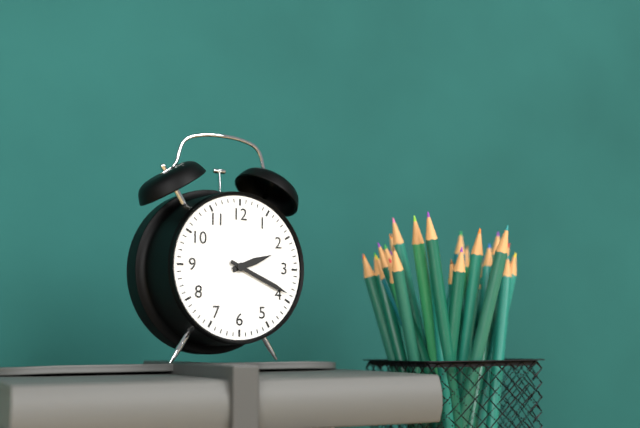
2.19
